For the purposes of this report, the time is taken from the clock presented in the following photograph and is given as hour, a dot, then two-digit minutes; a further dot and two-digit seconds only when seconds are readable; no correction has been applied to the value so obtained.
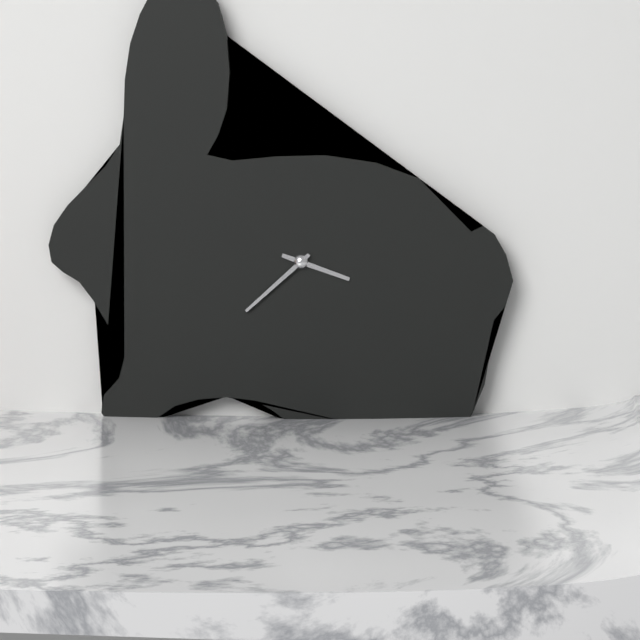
3.38
